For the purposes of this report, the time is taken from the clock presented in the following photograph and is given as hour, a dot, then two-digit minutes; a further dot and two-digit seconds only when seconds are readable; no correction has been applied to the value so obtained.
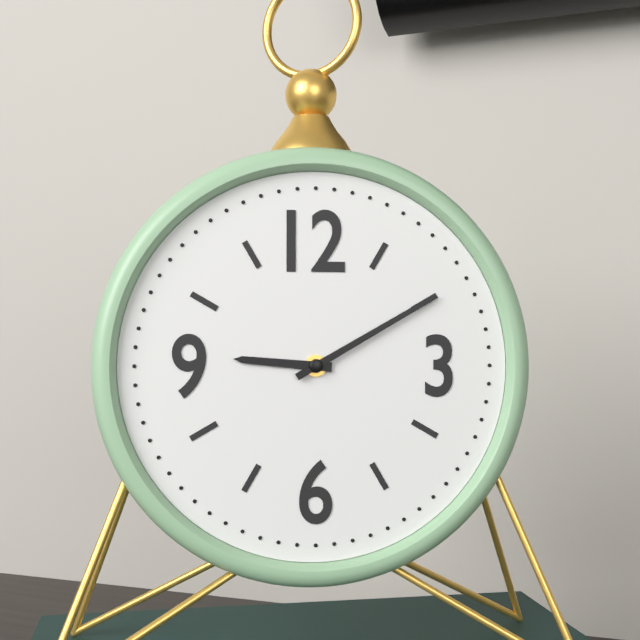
9.10
